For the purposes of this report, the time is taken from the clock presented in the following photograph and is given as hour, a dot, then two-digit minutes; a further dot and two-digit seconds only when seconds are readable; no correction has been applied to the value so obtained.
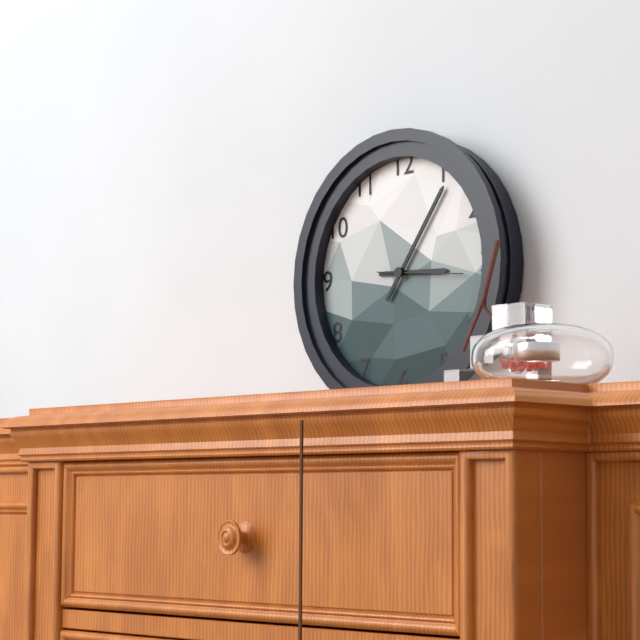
3.06.16
